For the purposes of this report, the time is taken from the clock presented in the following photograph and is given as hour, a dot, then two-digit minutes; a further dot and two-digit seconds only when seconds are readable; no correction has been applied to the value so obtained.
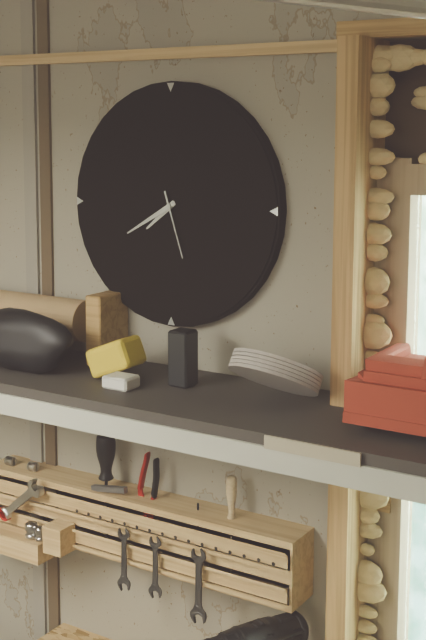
7.40.27
